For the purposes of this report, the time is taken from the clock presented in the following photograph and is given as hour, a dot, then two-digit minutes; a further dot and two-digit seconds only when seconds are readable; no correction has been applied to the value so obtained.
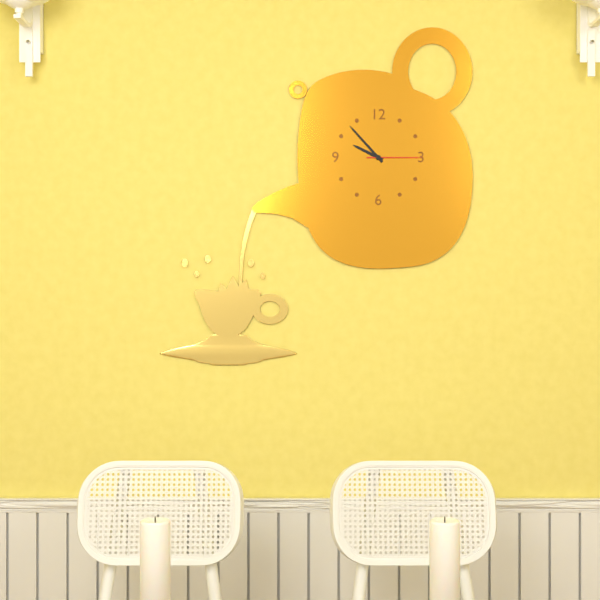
9.53.15
